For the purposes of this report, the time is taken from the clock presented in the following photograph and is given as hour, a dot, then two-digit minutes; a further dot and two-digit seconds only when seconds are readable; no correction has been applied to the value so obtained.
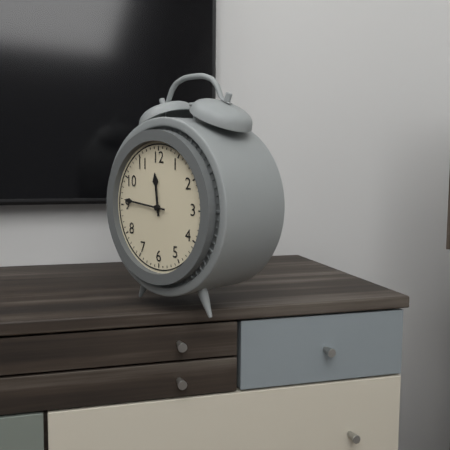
11.46
